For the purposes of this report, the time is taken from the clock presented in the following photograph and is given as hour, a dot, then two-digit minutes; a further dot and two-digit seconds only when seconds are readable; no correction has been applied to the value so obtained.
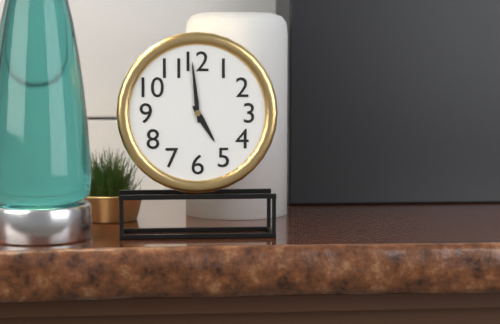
4.59
